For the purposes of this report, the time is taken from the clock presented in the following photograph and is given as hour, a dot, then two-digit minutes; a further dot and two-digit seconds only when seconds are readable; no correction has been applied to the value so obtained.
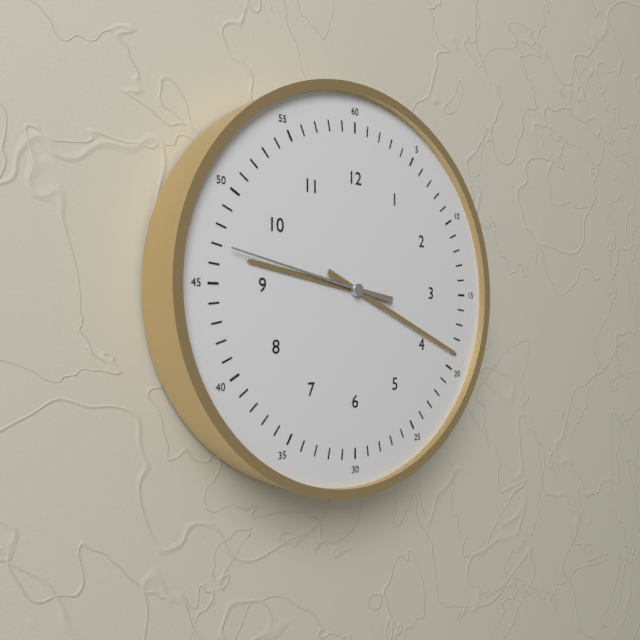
9.19.47
